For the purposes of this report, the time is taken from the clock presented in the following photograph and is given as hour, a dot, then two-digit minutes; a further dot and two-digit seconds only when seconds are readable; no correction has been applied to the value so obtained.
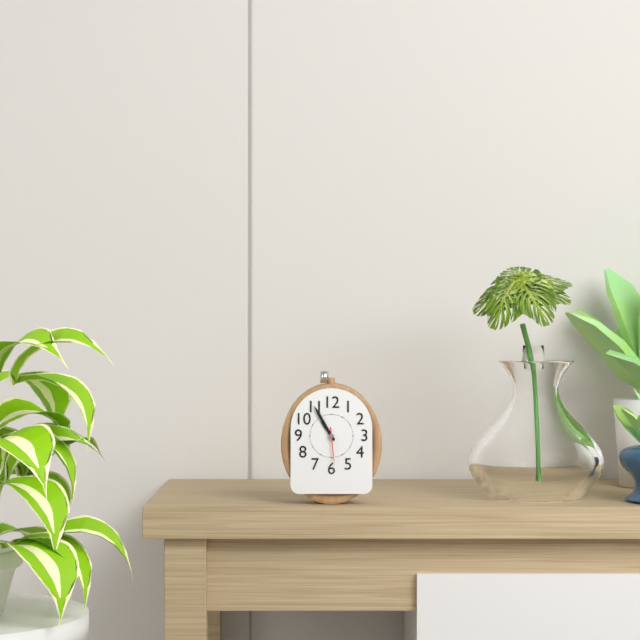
10.55
